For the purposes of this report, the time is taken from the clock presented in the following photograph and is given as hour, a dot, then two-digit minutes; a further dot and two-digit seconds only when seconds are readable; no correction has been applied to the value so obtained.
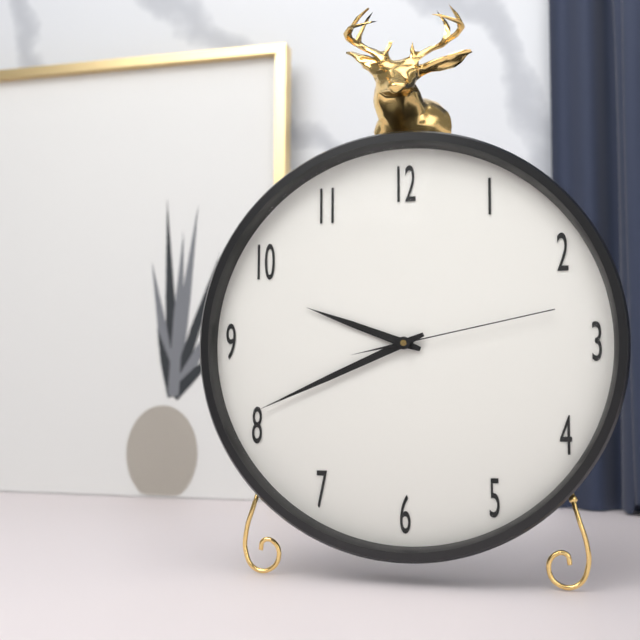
9.41.13
